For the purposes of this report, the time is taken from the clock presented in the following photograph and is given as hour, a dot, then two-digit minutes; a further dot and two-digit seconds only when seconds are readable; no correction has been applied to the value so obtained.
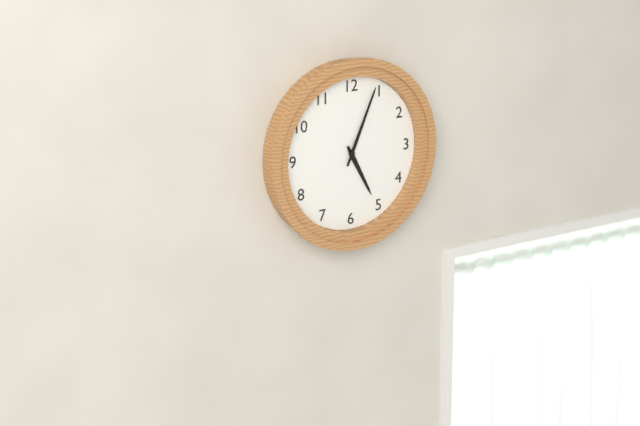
5.04
